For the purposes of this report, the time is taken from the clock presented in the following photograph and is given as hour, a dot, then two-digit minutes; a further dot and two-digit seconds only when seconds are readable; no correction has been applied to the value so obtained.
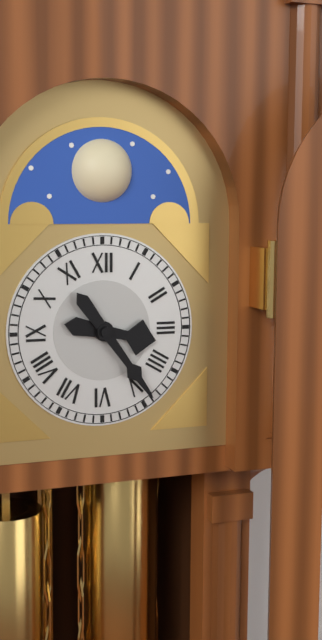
3.24
